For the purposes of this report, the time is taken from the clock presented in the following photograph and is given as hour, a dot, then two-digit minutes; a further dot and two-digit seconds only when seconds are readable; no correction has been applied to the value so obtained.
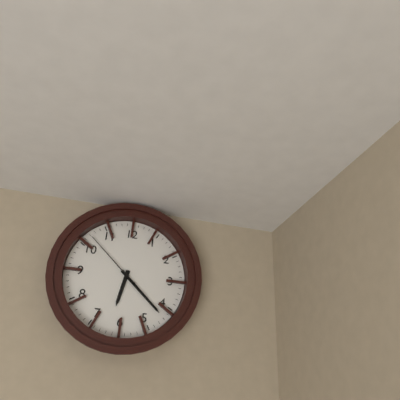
6.22.52
